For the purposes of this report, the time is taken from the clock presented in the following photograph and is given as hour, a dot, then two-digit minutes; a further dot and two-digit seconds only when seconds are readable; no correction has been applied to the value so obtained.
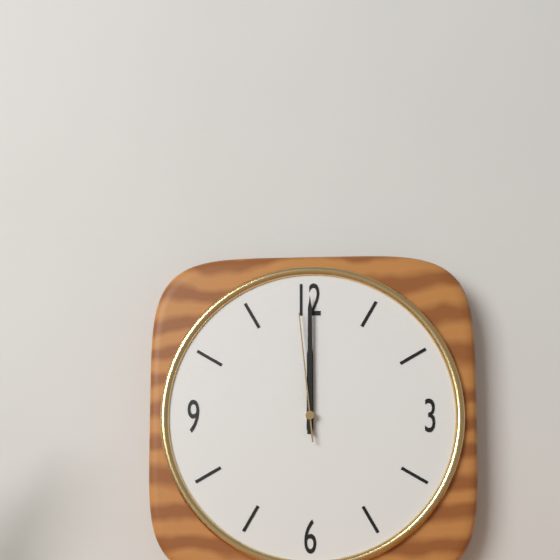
12.00.59
